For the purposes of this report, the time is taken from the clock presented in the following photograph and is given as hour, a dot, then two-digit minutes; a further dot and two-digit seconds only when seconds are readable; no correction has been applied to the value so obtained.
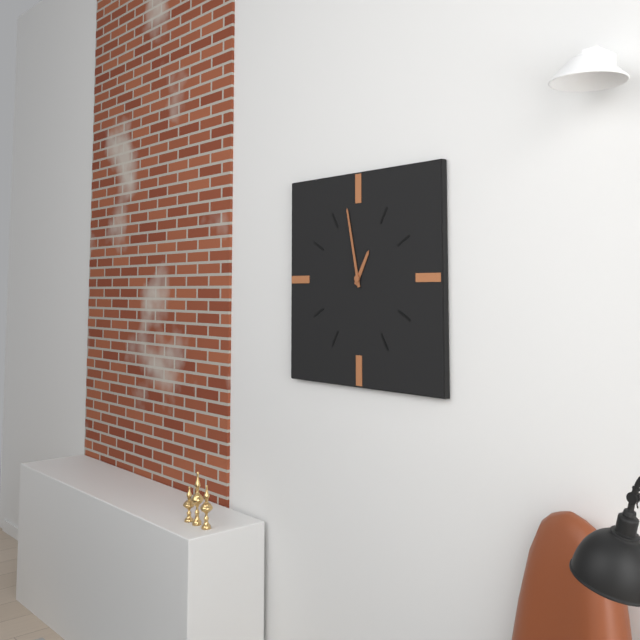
12.58
